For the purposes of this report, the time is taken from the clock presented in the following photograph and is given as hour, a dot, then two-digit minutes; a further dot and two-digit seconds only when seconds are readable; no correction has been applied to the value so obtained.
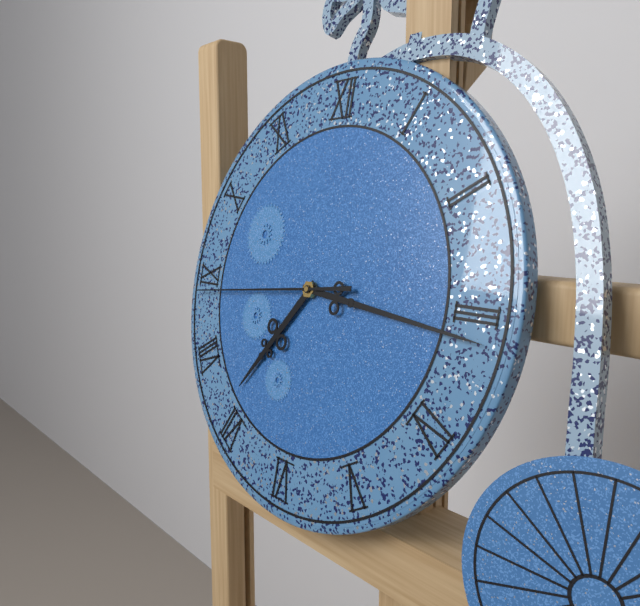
7.16.44
